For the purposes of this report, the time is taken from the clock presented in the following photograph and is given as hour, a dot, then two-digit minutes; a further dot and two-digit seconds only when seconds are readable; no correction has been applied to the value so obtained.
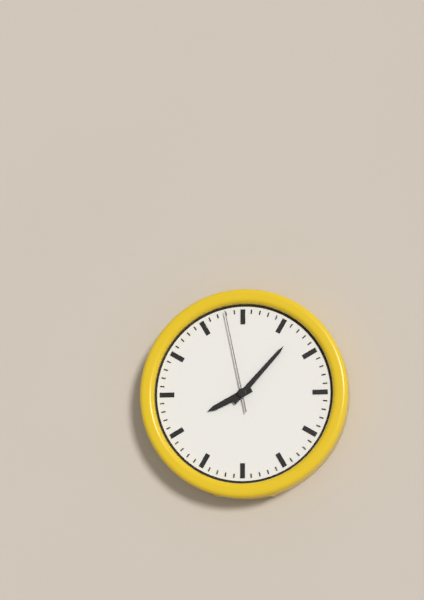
8.07.58
